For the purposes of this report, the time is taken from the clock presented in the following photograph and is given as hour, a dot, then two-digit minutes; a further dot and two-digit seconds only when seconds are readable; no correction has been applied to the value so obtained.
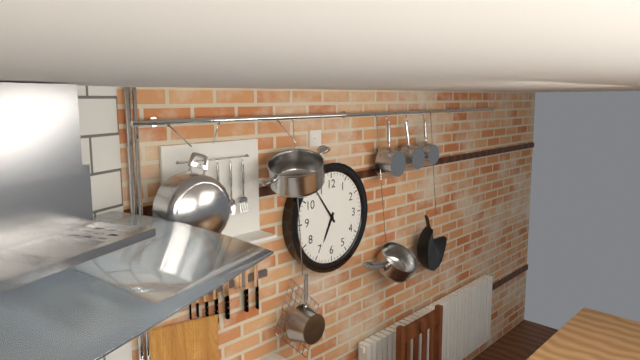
6.54
